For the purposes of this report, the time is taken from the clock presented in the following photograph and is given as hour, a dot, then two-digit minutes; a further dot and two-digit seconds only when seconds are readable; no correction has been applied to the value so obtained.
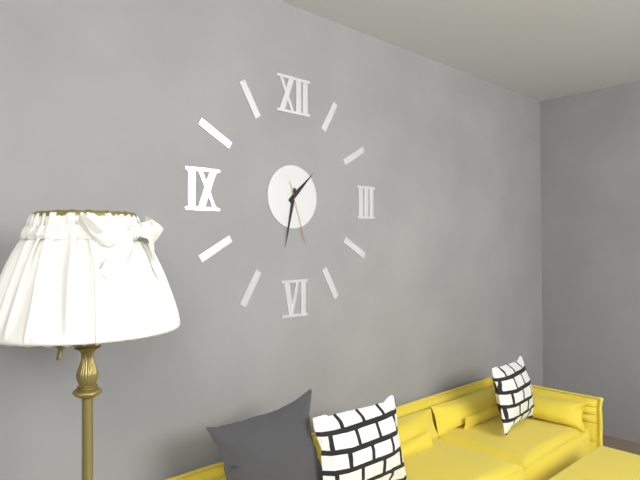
1.32.27
